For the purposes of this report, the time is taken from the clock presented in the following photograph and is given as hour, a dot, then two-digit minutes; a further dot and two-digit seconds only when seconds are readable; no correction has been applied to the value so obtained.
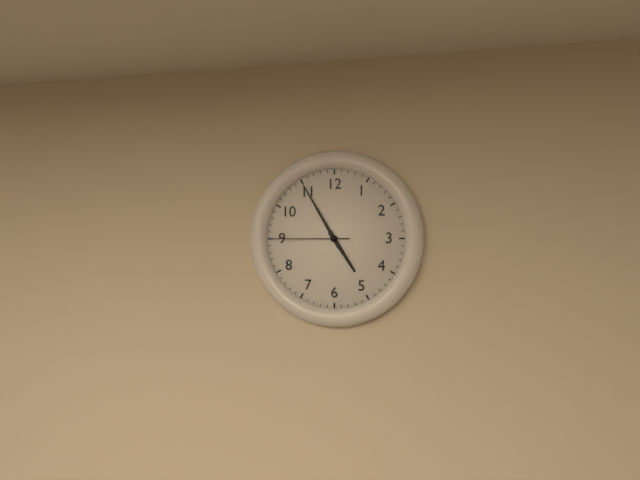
4.55.45
